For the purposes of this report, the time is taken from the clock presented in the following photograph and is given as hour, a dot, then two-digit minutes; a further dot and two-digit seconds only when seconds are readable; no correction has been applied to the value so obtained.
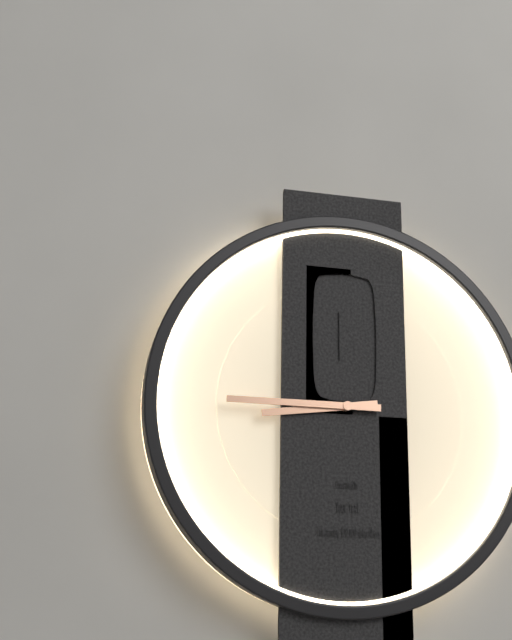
8.45
